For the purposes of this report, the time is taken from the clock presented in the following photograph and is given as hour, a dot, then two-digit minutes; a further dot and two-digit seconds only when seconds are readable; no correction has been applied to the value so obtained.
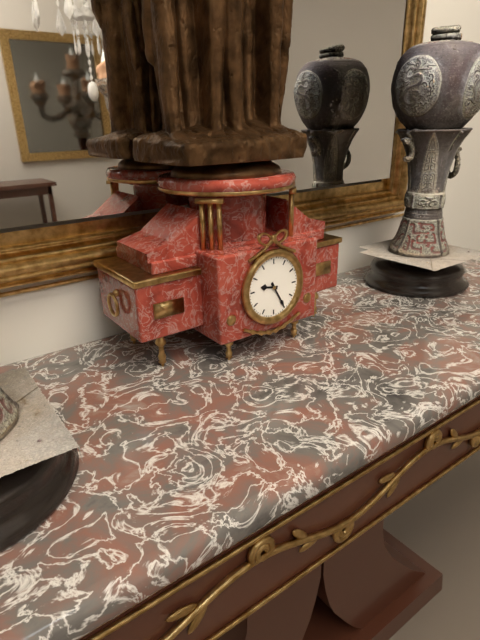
9.25
